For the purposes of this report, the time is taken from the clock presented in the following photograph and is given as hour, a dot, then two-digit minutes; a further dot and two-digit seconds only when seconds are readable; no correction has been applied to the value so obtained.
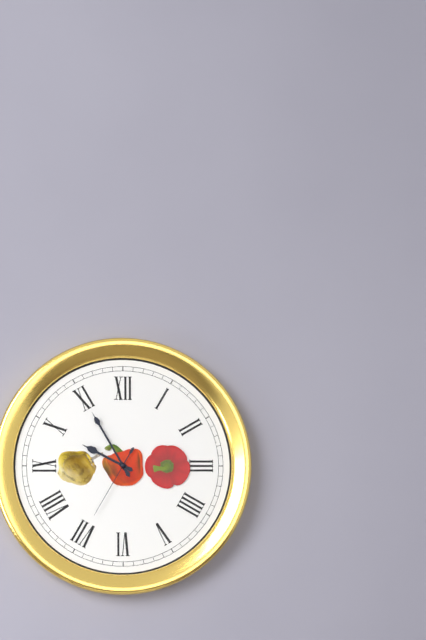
9.55.35
